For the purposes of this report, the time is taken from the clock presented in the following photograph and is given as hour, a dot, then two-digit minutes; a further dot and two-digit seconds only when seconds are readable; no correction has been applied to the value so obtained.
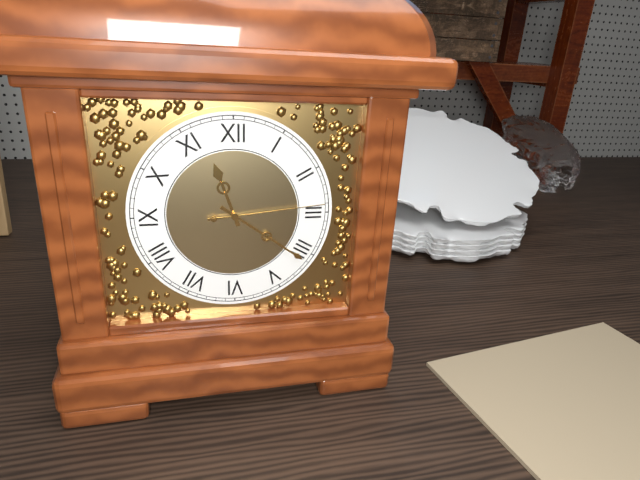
11.21.14
